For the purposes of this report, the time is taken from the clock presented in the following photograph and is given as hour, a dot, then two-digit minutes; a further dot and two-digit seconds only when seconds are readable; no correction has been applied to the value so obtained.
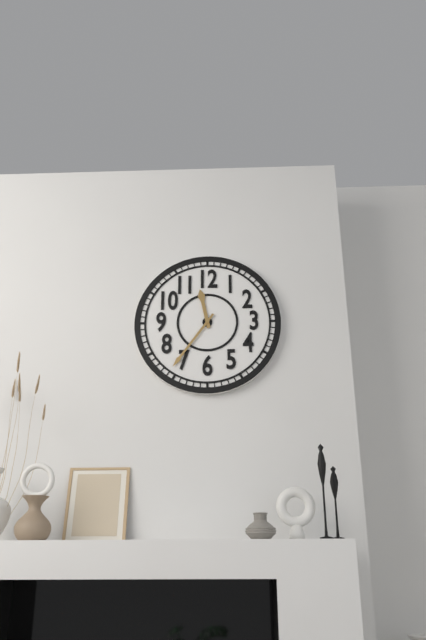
11.36
